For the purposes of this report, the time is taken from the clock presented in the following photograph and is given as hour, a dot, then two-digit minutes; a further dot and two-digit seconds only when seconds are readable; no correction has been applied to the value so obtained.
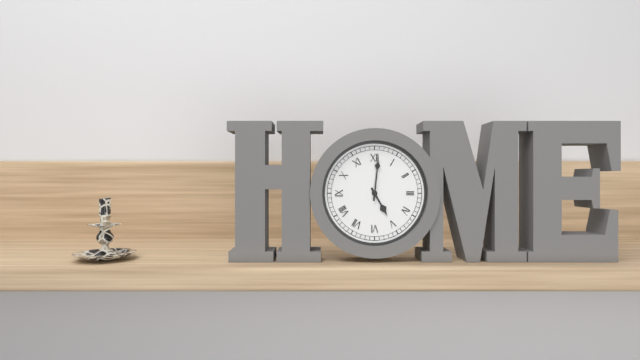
5.01
